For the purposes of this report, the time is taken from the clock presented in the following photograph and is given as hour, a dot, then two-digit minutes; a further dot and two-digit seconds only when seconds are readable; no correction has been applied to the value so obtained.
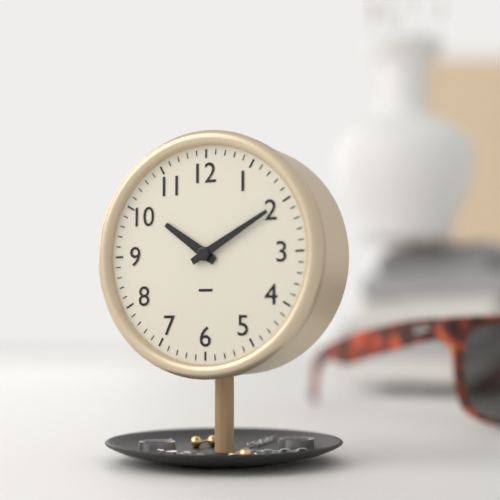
10.10
